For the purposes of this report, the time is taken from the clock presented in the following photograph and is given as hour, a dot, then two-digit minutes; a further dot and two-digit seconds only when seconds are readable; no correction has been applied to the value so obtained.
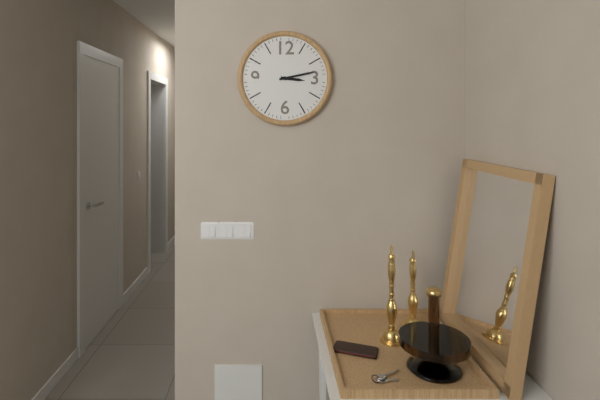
3.13
